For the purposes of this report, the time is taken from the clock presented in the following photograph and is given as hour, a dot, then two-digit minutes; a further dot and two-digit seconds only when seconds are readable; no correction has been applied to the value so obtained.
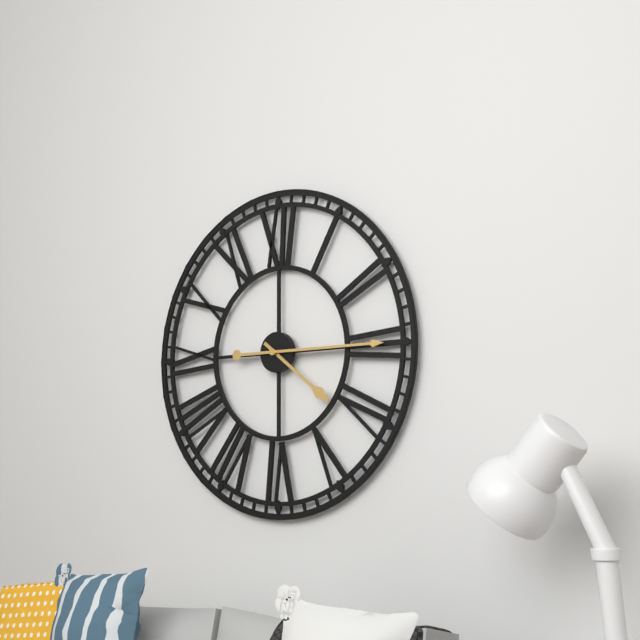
4.15
